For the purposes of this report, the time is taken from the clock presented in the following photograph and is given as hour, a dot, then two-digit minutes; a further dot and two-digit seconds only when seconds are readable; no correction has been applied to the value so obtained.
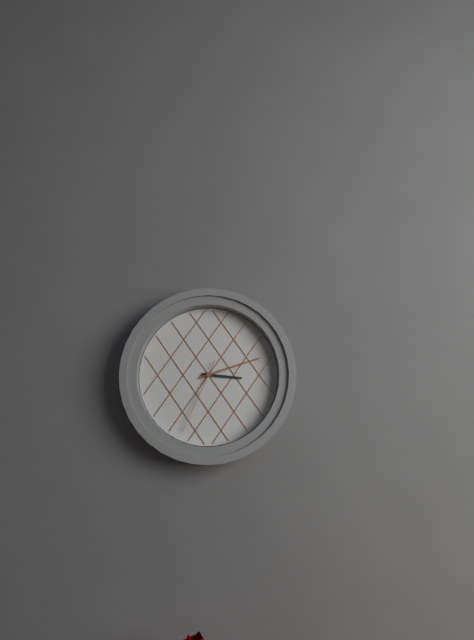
3.12.34
